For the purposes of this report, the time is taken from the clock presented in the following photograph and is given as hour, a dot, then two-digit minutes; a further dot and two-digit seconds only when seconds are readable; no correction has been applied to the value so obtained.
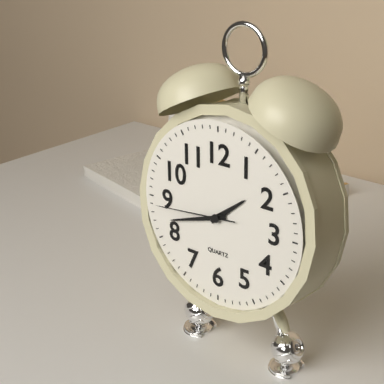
1.42.44
